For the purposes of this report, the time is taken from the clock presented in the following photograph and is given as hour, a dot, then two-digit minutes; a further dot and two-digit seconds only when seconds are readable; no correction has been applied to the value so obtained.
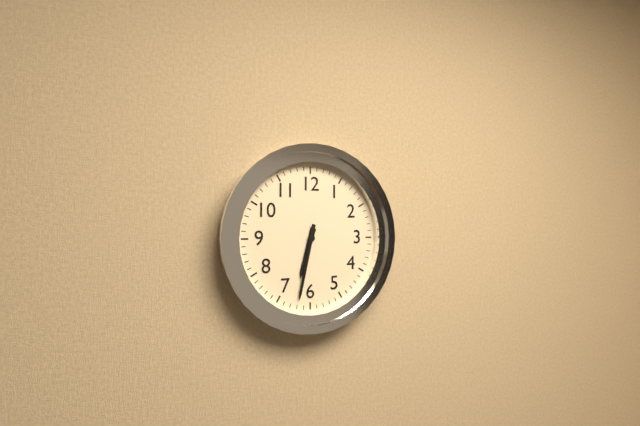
6.32
